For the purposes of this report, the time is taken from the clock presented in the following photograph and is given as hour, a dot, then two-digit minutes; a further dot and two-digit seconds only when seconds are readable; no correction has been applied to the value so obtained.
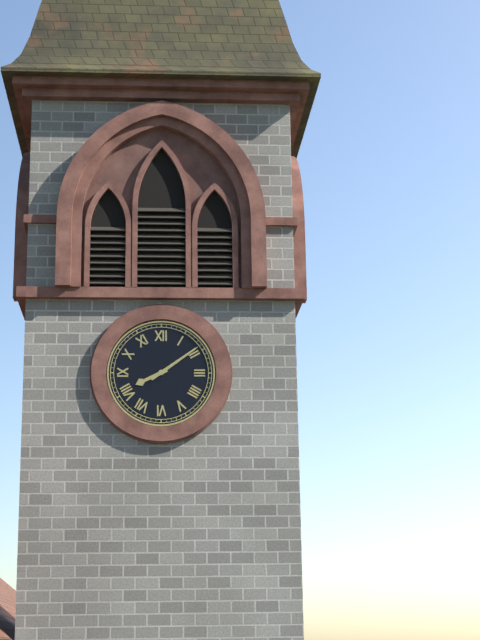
8.09
